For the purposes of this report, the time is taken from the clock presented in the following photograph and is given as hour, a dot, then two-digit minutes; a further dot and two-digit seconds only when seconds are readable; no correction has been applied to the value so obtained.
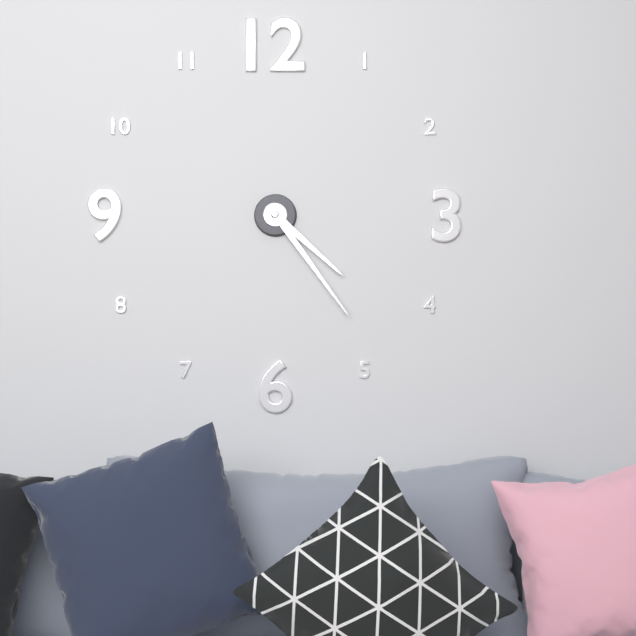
4.24
